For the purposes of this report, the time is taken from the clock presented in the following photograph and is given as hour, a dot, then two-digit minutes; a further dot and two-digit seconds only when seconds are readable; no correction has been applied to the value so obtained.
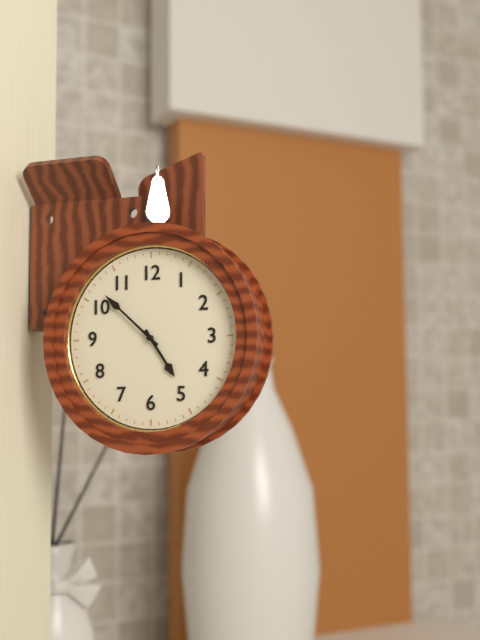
4.52
